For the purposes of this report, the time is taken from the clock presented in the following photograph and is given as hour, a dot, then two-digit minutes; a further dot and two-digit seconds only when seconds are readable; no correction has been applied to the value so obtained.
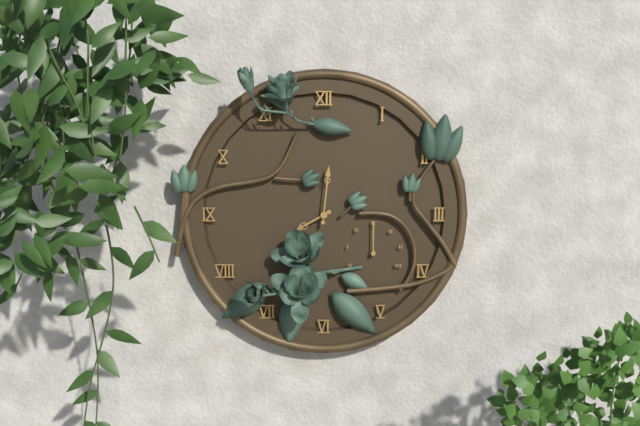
8.01
